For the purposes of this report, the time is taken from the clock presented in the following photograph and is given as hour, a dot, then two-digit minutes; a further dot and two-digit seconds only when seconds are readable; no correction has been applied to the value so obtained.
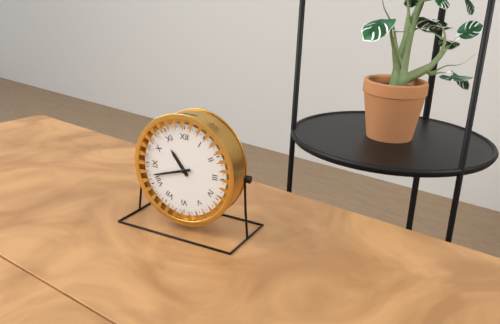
10.42
